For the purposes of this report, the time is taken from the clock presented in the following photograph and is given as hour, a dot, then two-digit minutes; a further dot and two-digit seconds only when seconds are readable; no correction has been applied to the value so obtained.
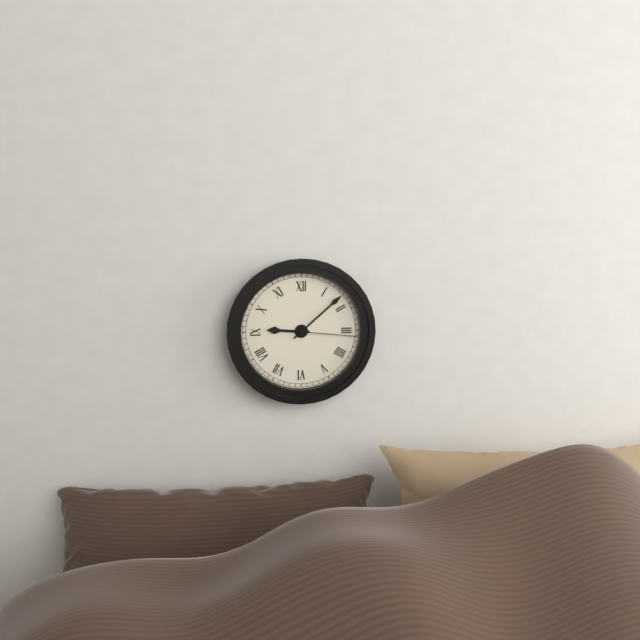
9.08.16
